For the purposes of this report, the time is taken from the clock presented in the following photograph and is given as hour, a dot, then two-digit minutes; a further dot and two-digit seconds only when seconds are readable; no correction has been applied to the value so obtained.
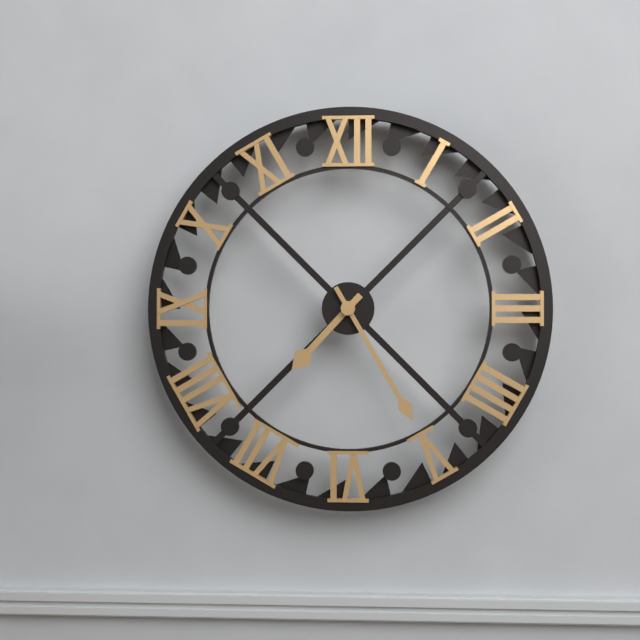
7.25
